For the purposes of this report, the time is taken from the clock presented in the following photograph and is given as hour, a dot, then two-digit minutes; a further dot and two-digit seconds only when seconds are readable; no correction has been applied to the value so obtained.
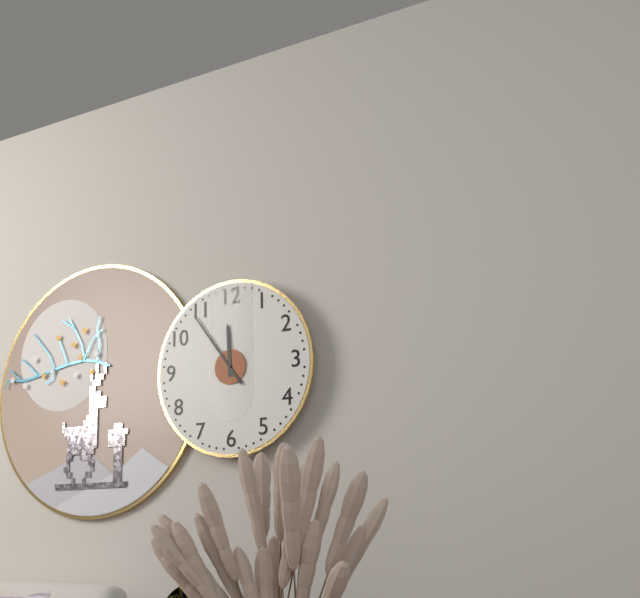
11.54
